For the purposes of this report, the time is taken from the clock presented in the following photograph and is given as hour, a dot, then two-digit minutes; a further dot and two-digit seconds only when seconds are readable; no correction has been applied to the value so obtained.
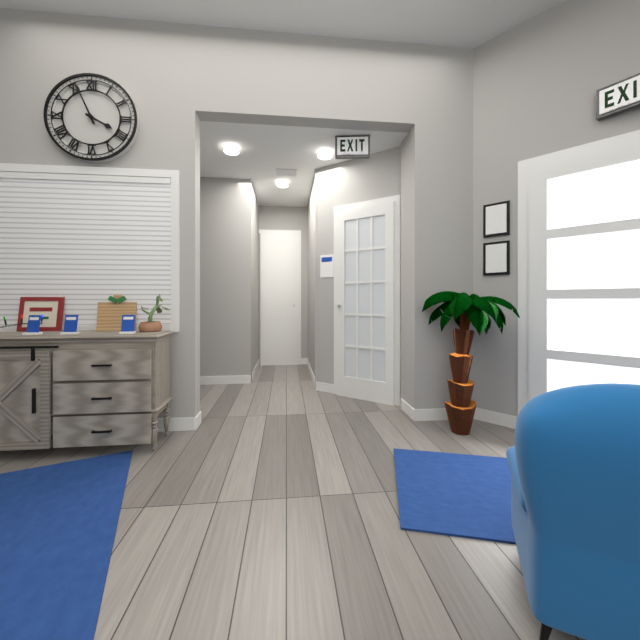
3.56
